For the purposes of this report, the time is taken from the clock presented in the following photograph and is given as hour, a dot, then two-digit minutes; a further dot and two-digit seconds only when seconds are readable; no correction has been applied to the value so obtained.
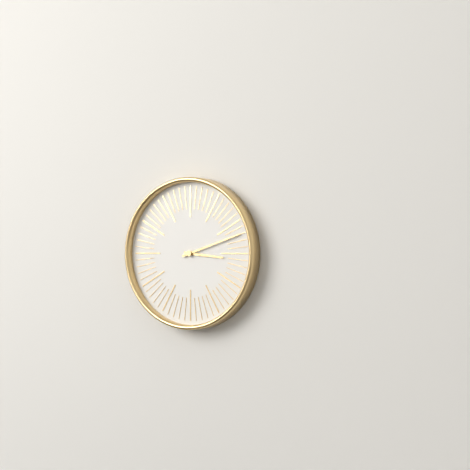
3.12
